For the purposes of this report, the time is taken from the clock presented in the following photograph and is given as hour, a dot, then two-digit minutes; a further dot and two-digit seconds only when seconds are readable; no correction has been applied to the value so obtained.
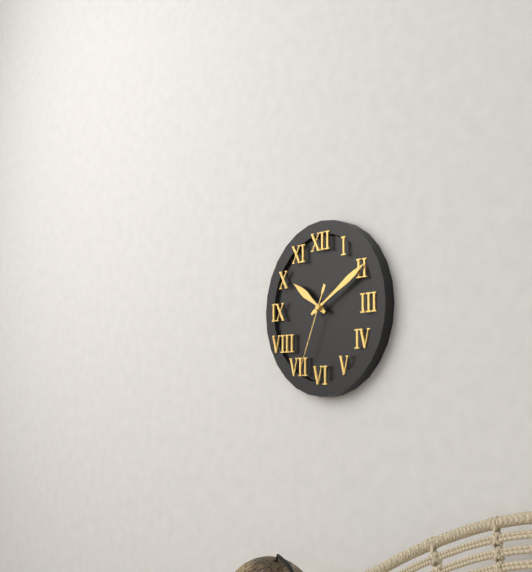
10.10.34
